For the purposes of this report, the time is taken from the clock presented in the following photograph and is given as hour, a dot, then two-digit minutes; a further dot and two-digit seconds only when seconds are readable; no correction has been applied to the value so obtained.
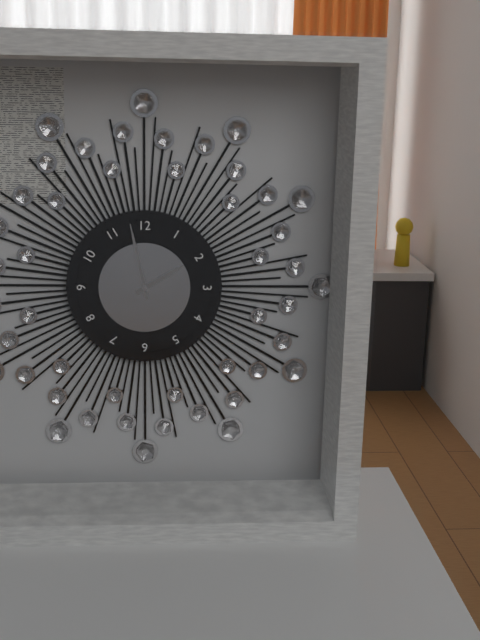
1.58
